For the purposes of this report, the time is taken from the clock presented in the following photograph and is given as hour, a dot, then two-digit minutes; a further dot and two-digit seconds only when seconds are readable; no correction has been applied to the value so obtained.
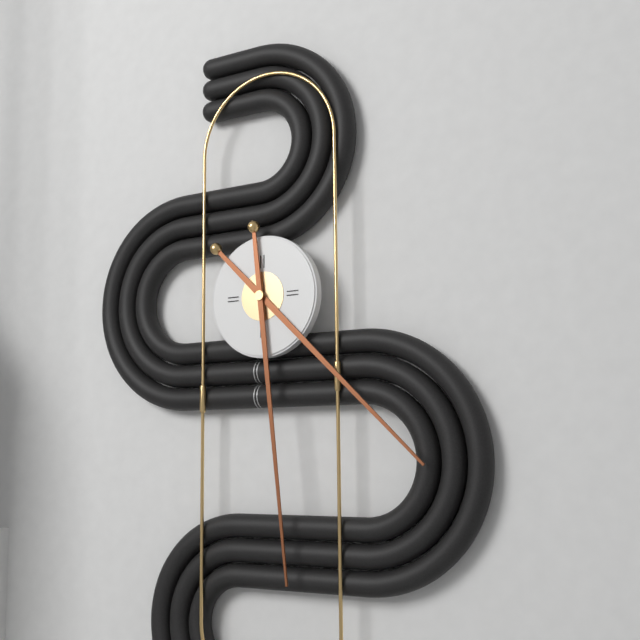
4.29
